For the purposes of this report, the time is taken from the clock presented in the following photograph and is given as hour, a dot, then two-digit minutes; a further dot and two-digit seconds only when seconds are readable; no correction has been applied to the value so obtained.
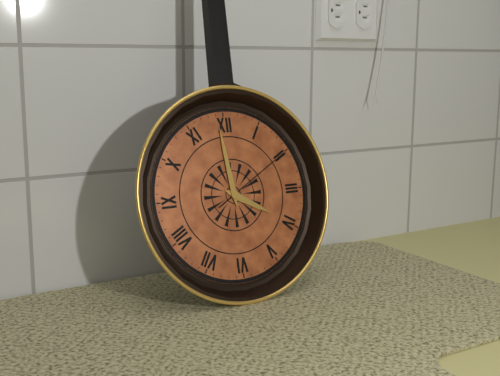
3.59.10
